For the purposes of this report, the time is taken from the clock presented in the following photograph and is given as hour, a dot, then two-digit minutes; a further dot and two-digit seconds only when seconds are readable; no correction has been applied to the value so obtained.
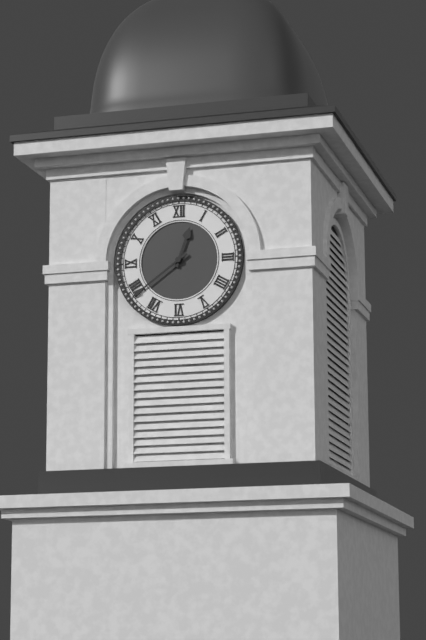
12.39
